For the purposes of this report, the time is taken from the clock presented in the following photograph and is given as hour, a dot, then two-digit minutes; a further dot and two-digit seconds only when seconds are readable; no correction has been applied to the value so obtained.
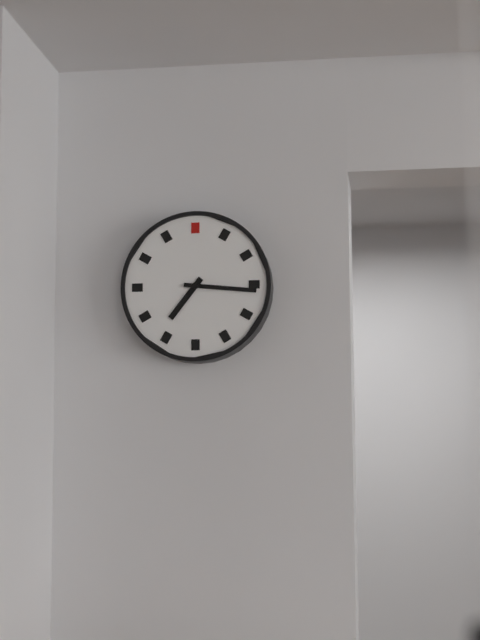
7.16
